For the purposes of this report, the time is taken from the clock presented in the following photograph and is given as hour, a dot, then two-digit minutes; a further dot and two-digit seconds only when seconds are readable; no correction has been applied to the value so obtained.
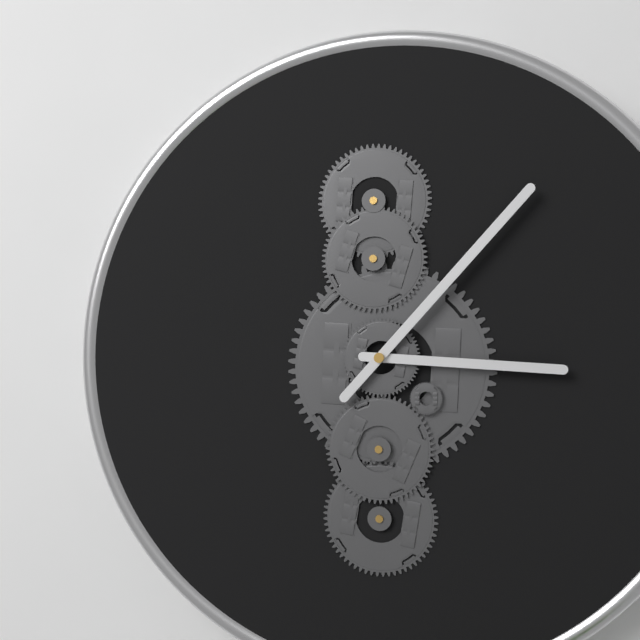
3.07
